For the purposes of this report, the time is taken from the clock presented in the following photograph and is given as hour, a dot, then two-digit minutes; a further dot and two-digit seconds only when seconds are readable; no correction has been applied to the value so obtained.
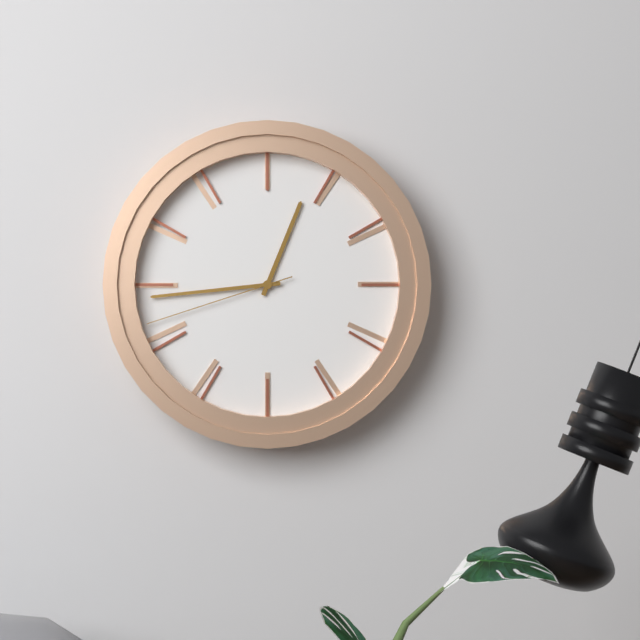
12.44.42
